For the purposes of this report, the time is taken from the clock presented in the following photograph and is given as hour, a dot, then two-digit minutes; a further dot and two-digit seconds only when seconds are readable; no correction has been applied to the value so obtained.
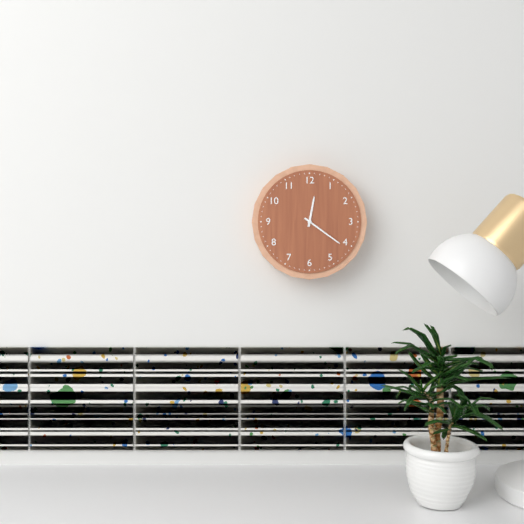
12.21
